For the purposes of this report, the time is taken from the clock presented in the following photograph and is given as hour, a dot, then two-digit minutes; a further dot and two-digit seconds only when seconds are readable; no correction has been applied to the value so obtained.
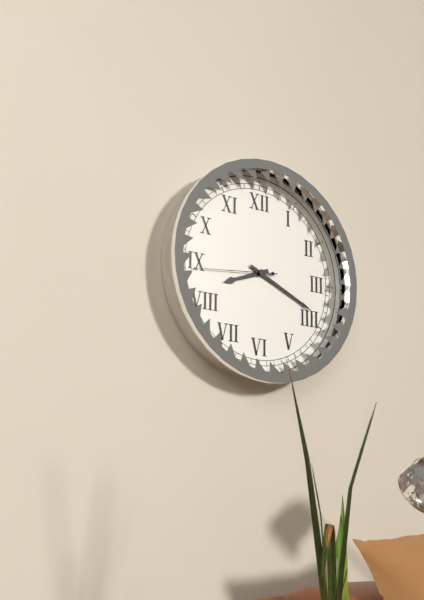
8.19.44
